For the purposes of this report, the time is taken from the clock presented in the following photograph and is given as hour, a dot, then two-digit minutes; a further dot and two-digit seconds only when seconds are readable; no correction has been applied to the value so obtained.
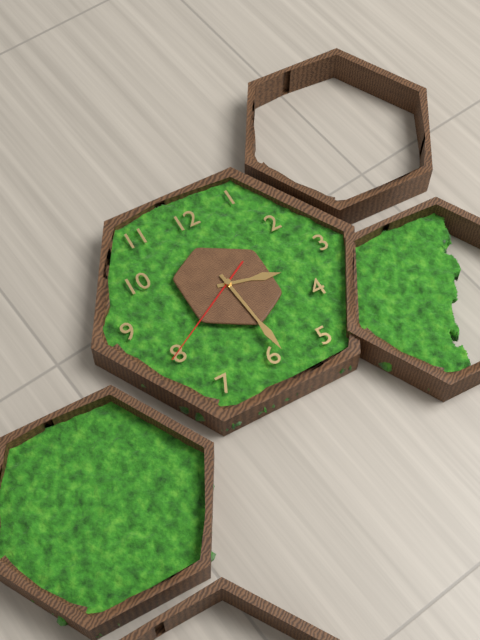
3.29.40
